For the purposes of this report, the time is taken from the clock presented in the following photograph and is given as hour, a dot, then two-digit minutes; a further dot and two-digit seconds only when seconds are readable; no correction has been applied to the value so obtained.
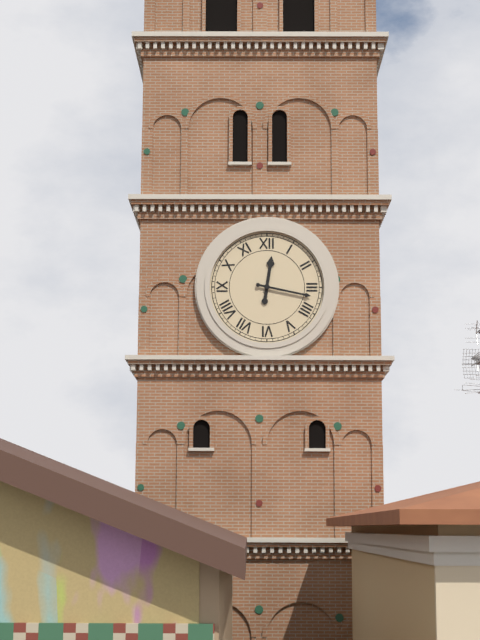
12.17
